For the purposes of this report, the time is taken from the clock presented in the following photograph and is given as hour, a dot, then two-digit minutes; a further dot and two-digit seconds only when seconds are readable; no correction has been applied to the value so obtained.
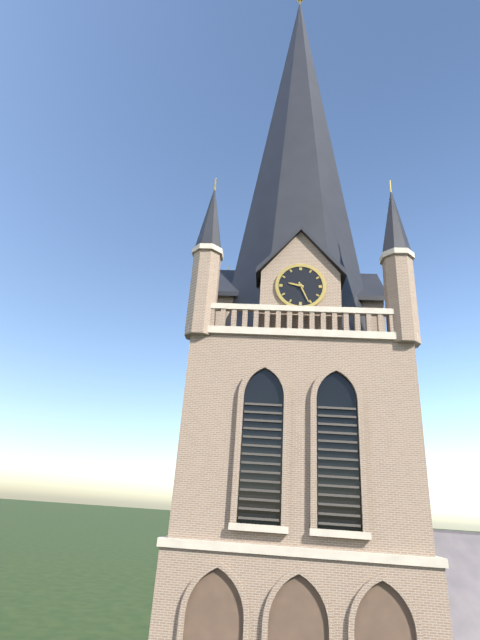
9.26
